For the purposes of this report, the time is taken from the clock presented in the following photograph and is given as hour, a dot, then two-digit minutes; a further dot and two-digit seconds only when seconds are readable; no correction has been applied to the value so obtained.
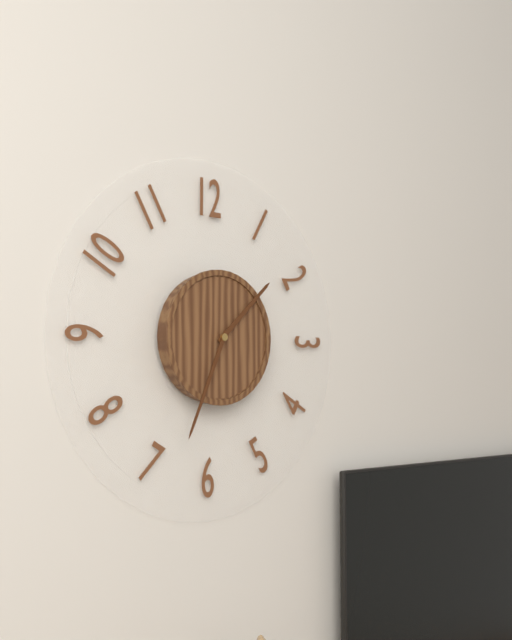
1.34
